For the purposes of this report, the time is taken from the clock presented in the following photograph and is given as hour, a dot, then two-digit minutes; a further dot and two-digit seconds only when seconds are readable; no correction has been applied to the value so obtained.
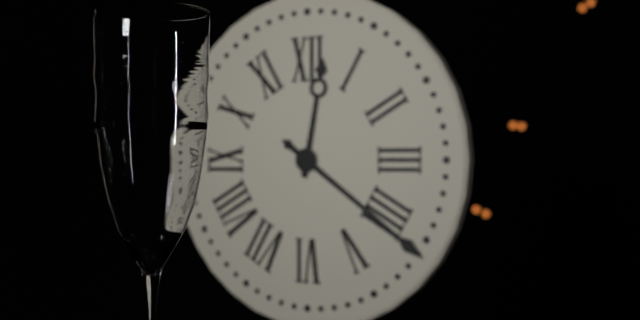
12.21
